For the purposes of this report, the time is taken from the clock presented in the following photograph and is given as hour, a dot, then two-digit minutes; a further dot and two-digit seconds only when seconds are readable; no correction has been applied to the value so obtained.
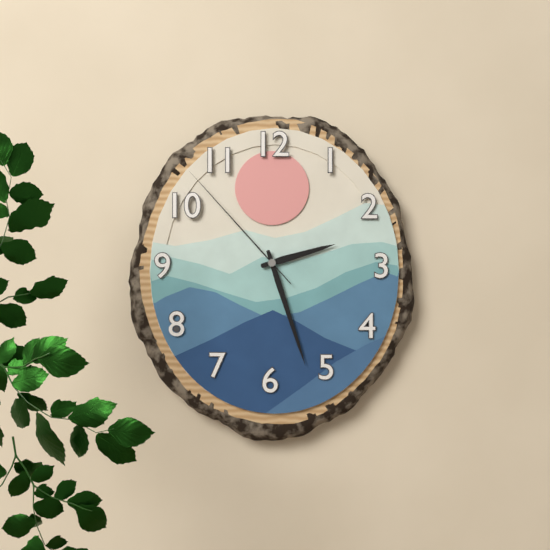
2.27.53
